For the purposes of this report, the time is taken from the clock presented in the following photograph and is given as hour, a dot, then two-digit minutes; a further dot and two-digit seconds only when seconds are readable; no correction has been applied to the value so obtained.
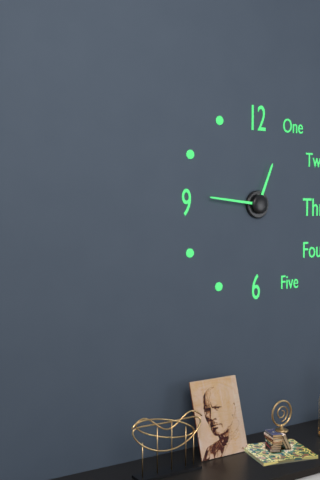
12.46
